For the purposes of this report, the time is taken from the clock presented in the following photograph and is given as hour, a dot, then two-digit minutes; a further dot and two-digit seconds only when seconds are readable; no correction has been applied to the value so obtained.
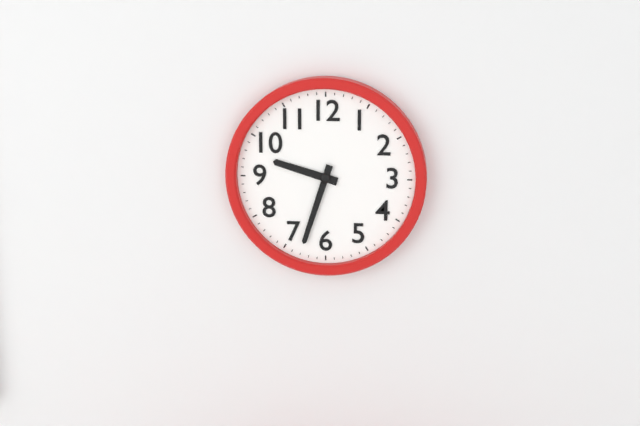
9.33
